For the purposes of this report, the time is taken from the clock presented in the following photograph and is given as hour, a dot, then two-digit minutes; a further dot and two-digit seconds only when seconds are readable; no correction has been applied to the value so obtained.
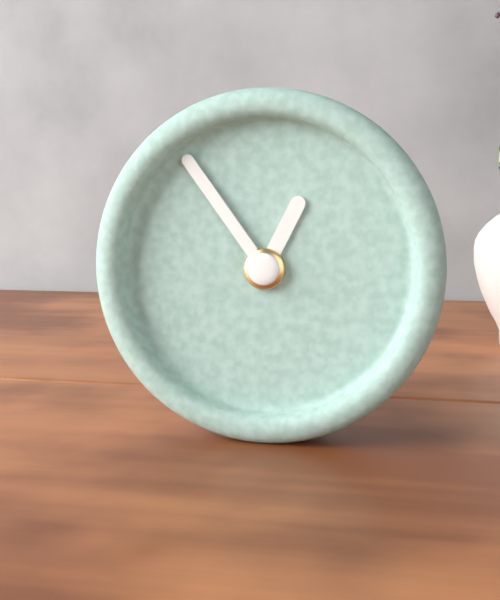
12.54
